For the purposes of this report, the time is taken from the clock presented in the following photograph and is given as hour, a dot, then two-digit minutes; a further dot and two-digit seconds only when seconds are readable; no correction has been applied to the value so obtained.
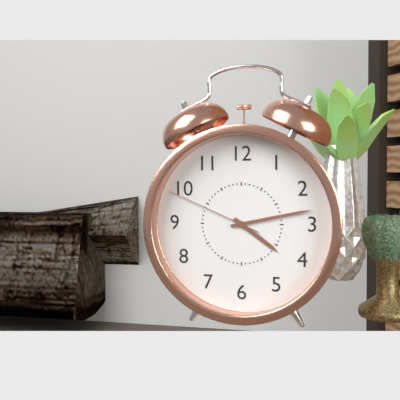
4.13.49
